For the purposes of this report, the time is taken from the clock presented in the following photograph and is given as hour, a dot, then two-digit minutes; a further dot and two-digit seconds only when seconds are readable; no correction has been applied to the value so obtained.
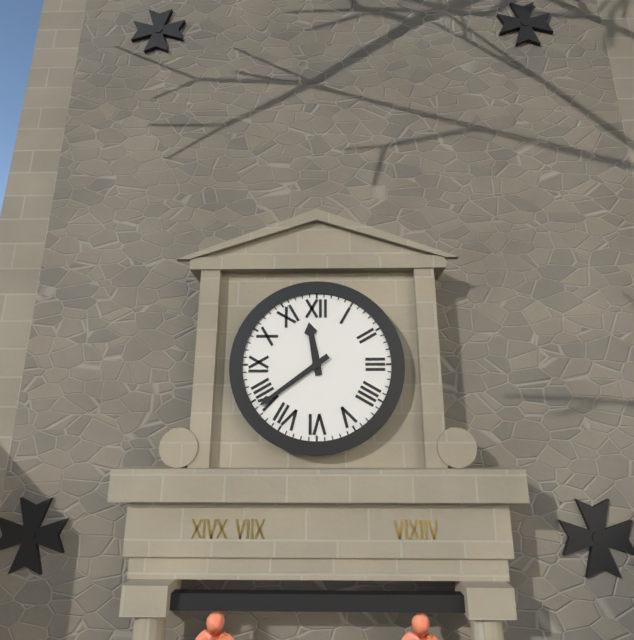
11.39
